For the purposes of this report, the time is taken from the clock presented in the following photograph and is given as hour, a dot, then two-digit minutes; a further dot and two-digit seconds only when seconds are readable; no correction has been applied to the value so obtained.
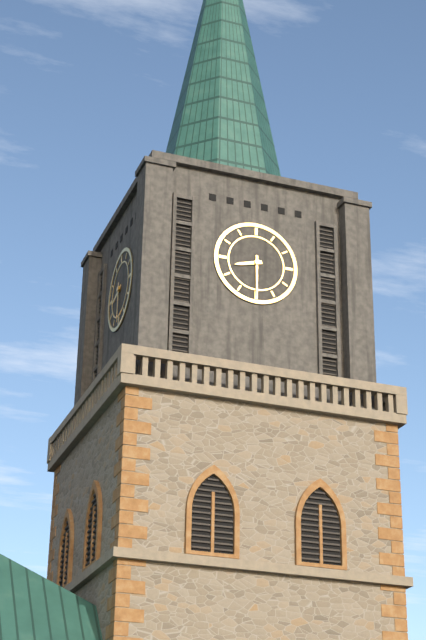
8.30
